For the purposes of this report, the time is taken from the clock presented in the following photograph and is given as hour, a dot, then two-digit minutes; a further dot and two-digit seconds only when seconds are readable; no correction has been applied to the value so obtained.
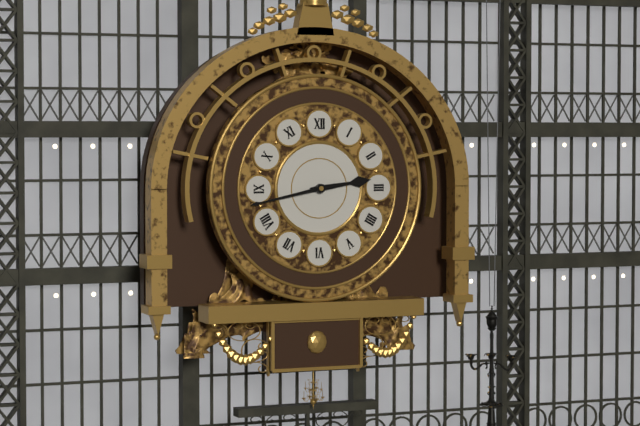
2.43
